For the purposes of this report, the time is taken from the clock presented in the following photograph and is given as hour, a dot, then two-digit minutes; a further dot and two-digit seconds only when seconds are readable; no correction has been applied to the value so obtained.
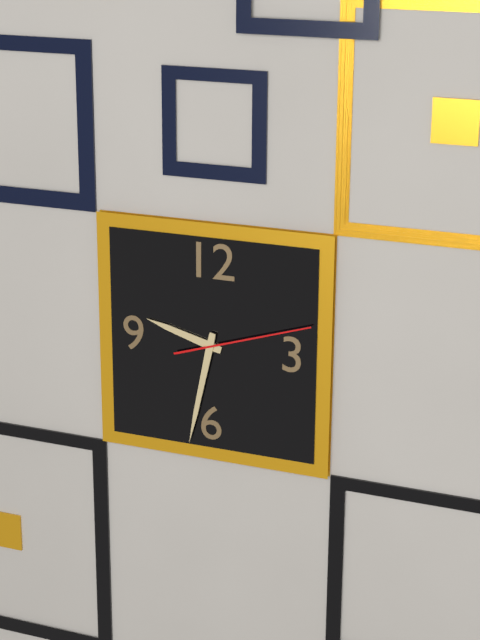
9.32.12
